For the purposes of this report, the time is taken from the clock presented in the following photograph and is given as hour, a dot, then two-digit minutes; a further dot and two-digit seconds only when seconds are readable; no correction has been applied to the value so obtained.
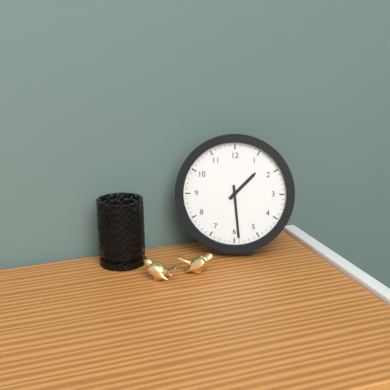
1.29
